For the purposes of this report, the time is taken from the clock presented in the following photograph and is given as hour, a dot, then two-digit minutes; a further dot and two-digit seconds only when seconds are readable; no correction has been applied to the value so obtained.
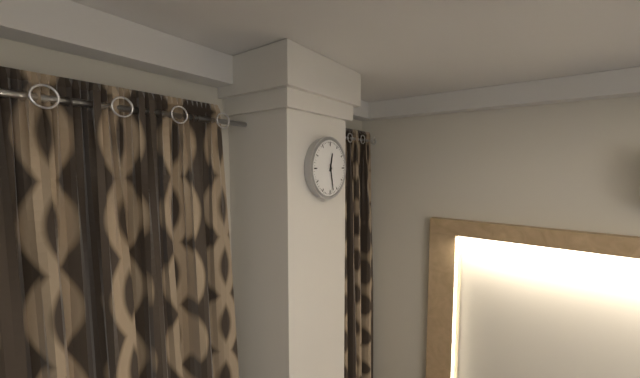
12.28
